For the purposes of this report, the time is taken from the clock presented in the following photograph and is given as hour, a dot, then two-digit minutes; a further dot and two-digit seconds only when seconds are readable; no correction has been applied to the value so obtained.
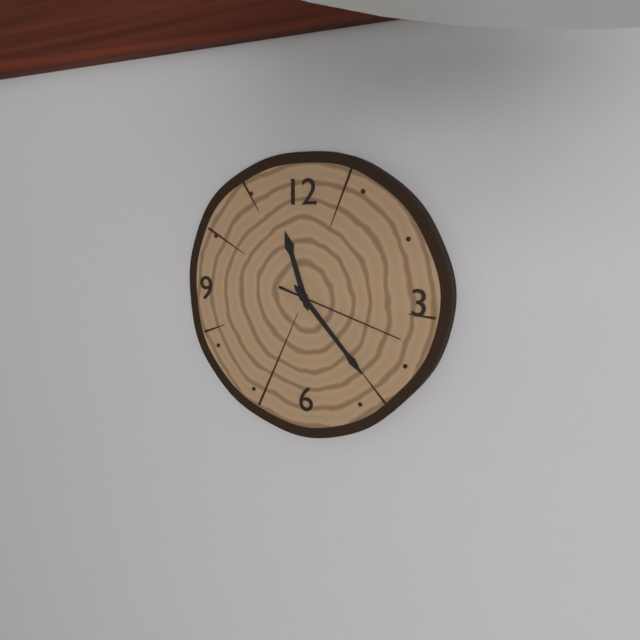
11.23.18
